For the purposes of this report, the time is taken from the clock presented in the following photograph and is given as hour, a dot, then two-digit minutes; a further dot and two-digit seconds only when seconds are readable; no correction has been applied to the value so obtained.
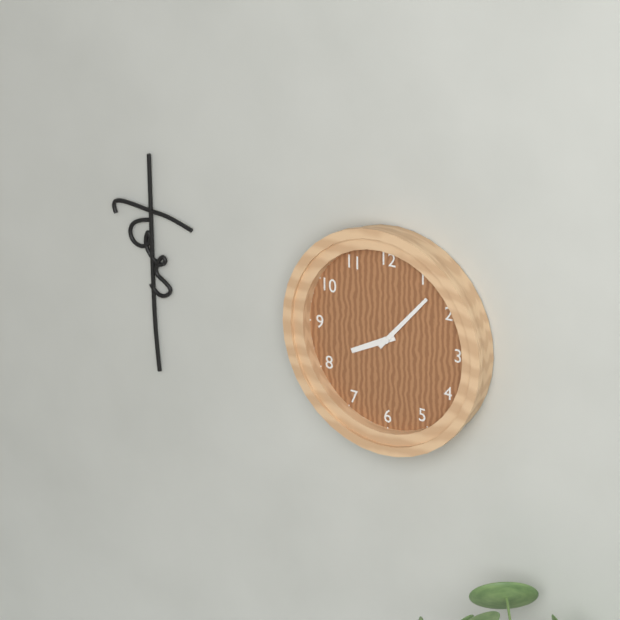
8.07
